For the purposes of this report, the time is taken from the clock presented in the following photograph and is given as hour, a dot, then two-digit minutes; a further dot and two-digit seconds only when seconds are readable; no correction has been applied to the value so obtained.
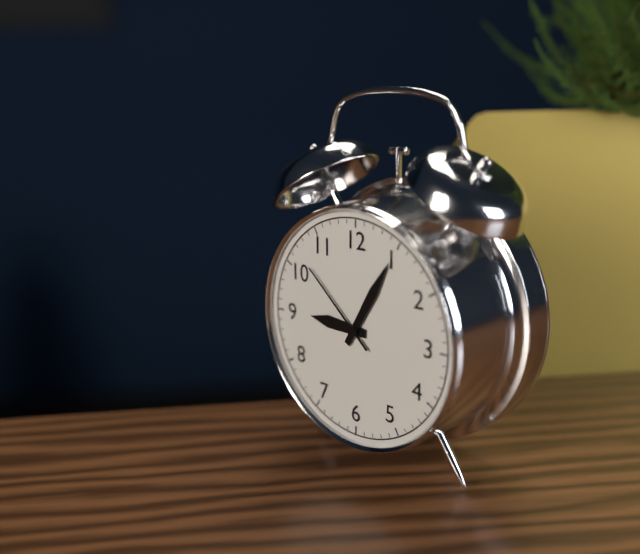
9.05.52
